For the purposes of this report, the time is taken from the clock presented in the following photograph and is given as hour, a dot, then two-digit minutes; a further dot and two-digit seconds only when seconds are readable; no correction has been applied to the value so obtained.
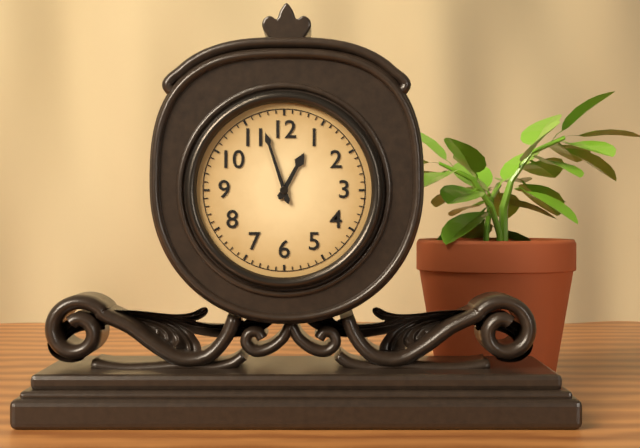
12.57
